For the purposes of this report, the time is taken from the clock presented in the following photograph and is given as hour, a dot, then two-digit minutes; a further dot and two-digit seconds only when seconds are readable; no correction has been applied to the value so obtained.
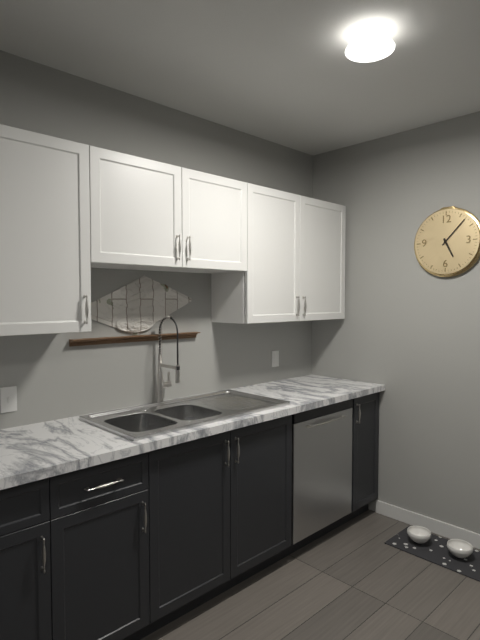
5.07
